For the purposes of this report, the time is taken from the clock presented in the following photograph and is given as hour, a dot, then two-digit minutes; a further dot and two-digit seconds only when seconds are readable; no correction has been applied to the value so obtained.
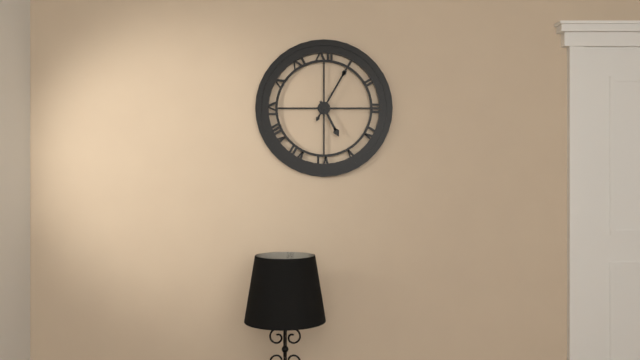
5.05
